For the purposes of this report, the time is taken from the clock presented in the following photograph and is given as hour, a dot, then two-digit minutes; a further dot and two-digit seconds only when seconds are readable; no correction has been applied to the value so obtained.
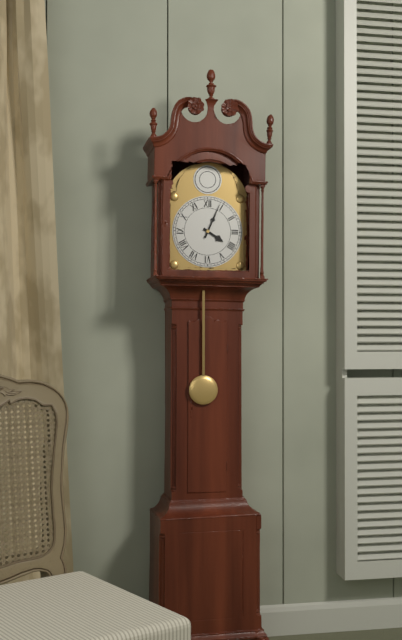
4.04
